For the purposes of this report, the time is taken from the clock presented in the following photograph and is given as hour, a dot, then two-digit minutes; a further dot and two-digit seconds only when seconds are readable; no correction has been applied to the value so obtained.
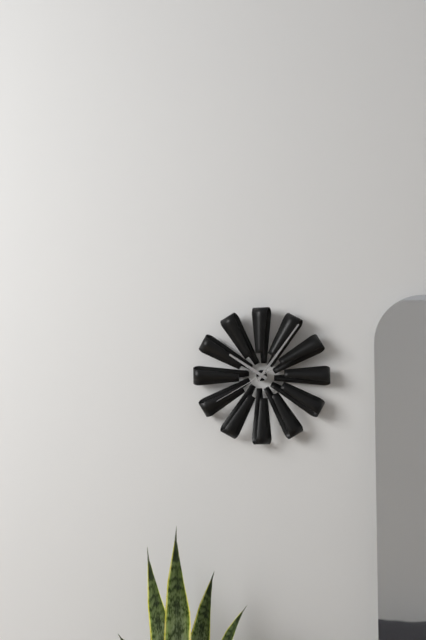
10.06.40
